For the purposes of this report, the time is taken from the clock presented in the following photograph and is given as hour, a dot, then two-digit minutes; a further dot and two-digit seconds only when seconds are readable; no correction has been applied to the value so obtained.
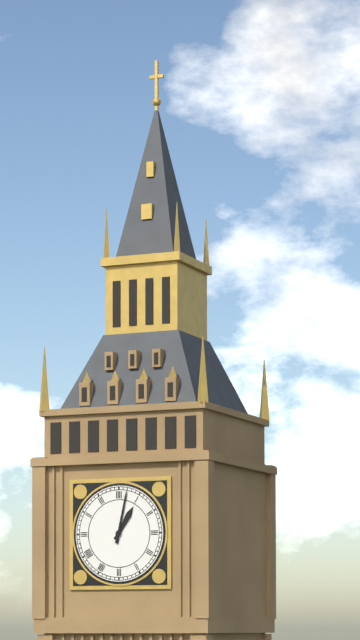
1.02
